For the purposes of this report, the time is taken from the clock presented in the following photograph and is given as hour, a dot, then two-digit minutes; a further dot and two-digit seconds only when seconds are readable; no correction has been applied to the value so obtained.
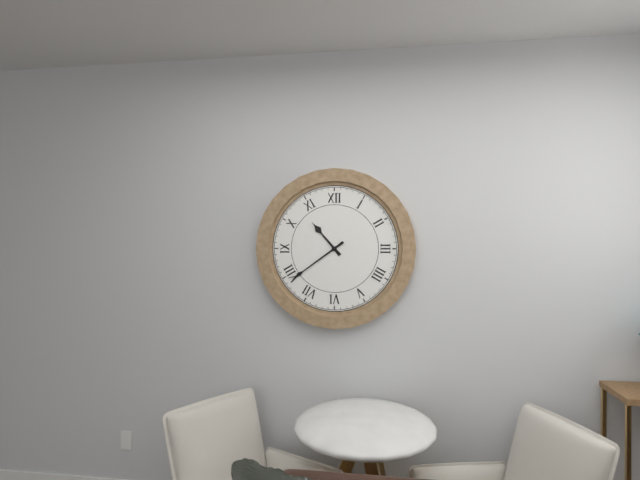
10.39
